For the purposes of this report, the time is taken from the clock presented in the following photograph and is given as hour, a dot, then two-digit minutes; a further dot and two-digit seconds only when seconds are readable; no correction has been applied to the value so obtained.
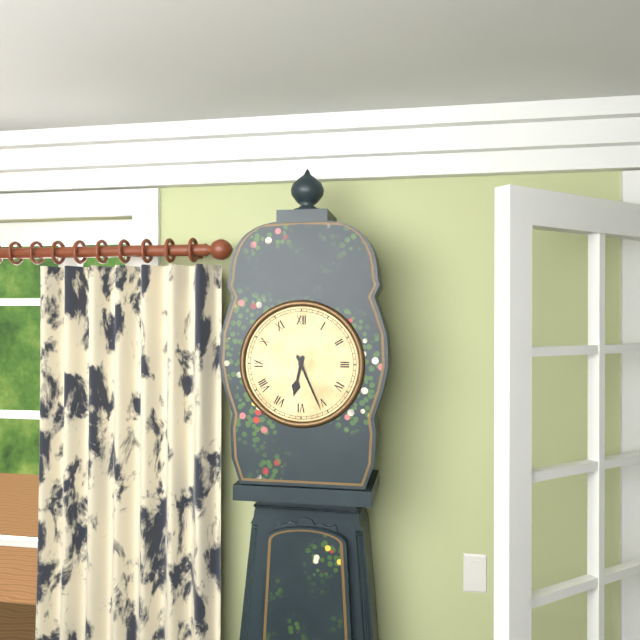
6.26
